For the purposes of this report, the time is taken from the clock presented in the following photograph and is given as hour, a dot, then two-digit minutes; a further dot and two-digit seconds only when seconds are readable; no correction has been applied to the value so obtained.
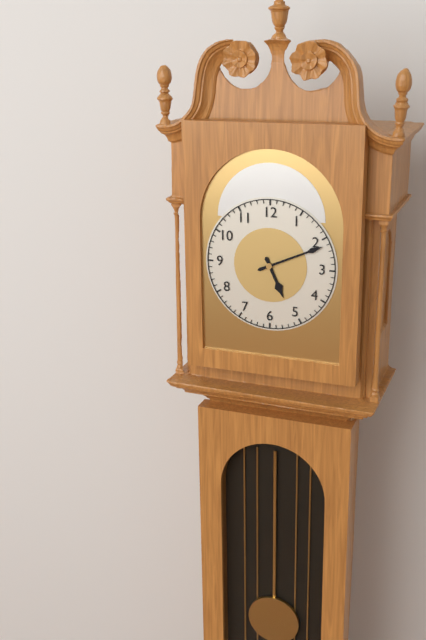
5.11
